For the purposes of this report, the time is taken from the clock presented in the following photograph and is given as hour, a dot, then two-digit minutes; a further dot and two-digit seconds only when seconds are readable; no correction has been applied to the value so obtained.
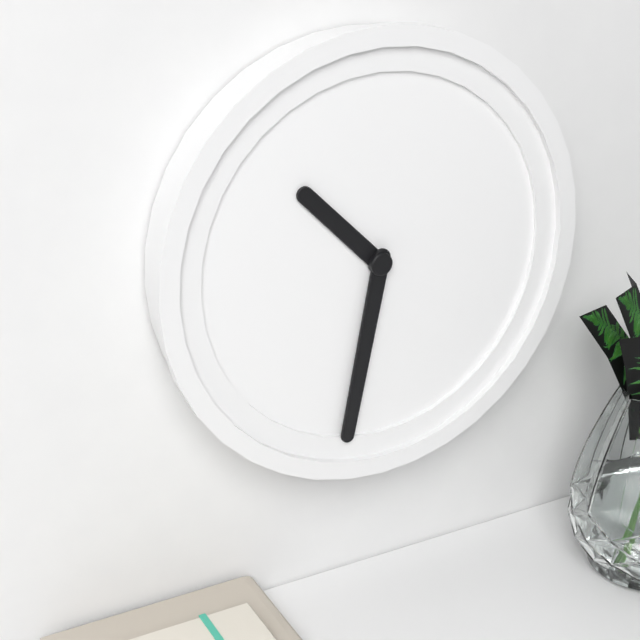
10.32
